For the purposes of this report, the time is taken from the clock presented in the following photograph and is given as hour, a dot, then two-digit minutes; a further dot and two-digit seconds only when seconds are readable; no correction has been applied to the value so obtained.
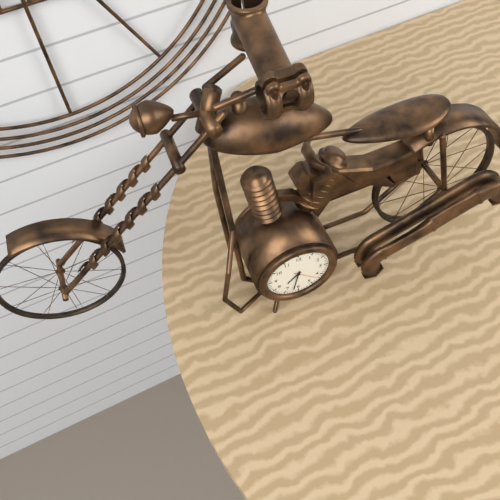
7.32
